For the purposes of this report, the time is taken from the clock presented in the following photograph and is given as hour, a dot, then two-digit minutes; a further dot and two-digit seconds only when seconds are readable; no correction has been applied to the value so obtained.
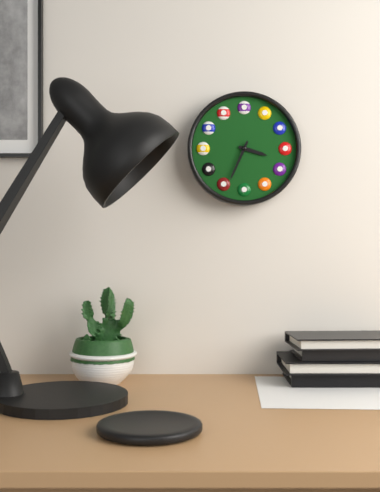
3.34
